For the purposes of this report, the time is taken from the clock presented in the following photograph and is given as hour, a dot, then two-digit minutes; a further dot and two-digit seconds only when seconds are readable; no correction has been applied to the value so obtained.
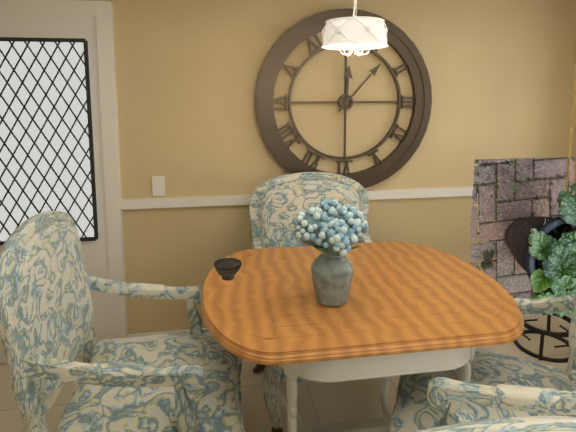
12.07
